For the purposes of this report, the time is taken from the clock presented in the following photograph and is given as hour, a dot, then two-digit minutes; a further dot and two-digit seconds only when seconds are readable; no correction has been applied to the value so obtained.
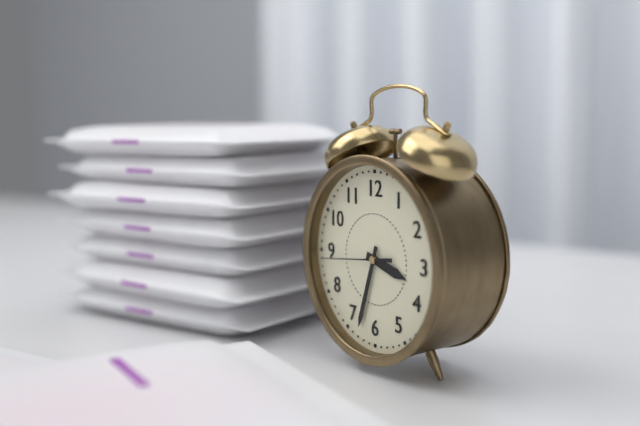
3.33.44
